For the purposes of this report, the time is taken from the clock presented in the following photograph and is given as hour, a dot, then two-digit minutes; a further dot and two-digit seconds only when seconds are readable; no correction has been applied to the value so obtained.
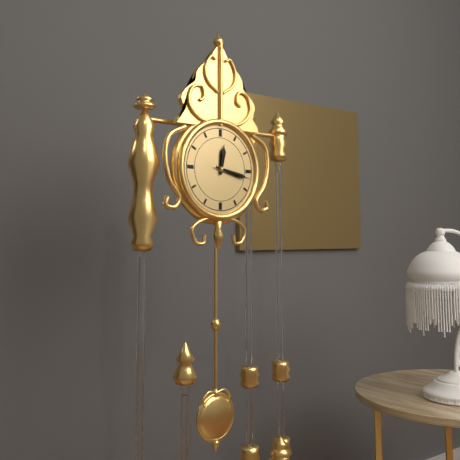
12.17
